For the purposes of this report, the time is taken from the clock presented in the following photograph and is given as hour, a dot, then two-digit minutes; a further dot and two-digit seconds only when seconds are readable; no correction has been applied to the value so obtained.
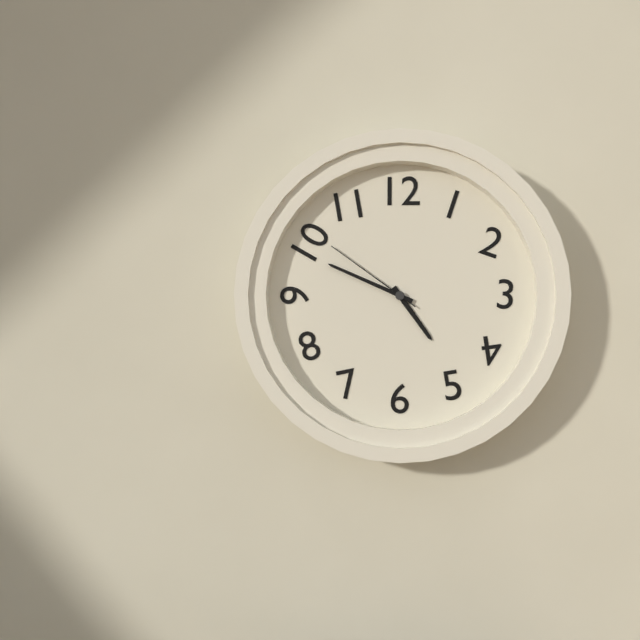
4.49.51
